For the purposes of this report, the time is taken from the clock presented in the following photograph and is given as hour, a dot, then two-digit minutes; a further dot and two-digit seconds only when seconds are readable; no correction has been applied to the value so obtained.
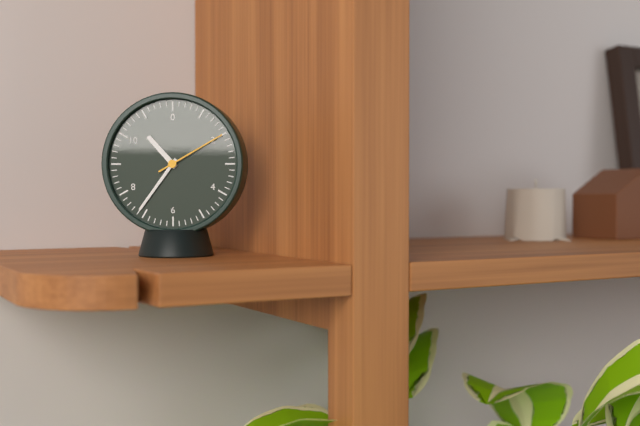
10.36.10
